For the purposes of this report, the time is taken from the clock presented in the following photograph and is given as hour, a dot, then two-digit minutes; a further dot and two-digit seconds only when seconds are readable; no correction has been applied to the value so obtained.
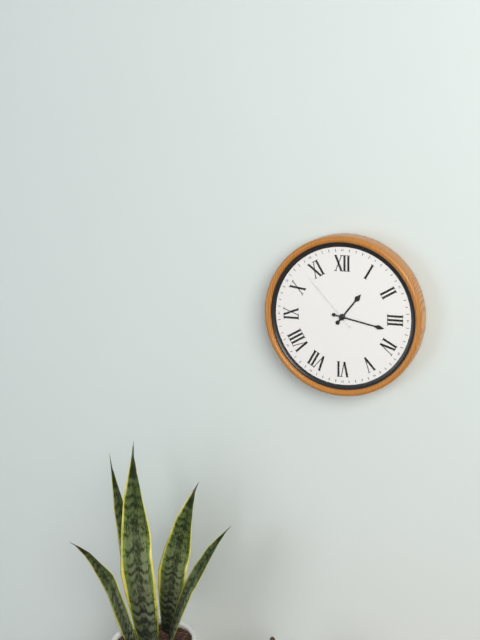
1.17.53
